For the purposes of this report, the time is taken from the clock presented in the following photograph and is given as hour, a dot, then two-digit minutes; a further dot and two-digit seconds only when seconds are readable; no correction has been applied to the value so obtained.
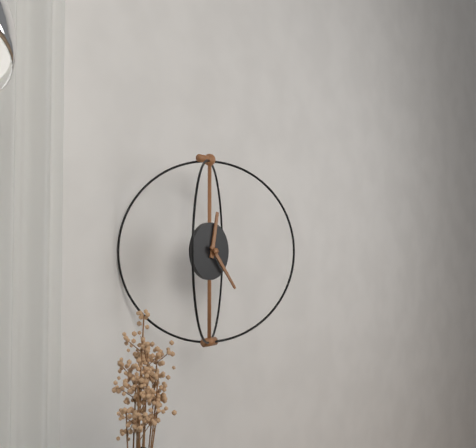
12.23
